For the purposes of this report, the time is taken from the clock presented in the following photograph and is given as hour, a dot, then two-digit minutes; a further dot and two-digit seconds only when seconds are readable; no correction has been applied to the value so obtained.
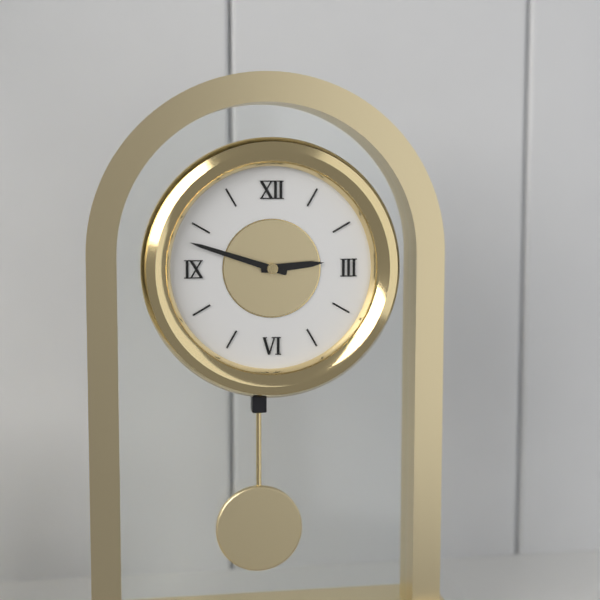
2.48
